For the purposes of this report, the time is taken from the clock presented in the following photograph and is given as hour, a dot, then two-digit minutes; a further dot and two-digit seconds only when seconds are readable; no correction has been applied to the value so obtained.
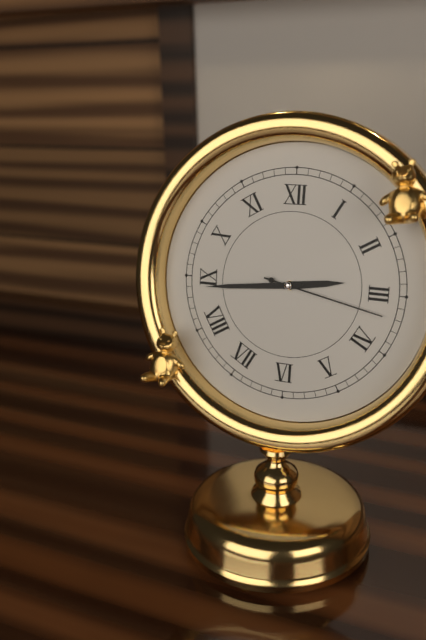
2.44.17
